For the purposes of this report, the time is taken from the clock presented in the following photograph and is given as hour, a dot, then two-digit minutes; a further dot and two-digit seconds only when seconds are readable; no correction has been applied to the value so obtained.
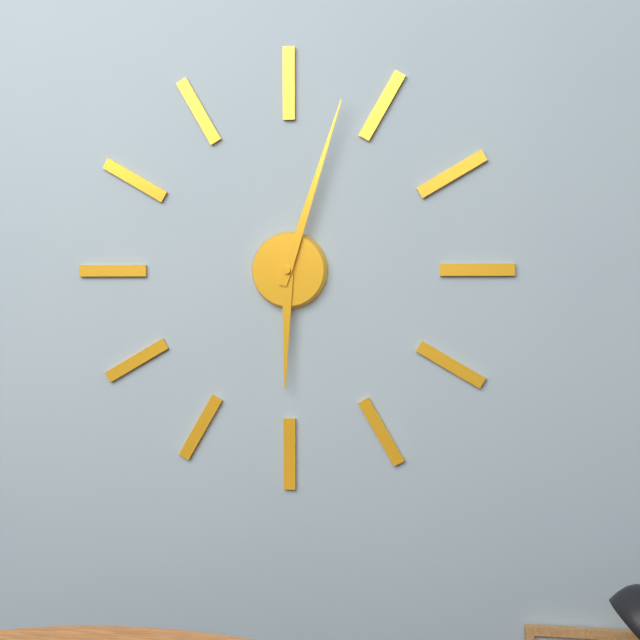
6.03
